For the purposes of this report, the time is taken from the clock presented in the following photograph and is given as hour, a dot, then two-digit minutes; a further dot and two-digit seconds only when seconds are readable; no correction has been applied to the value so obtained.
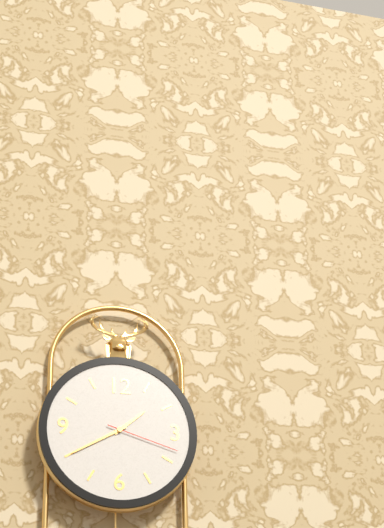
1.40.18
